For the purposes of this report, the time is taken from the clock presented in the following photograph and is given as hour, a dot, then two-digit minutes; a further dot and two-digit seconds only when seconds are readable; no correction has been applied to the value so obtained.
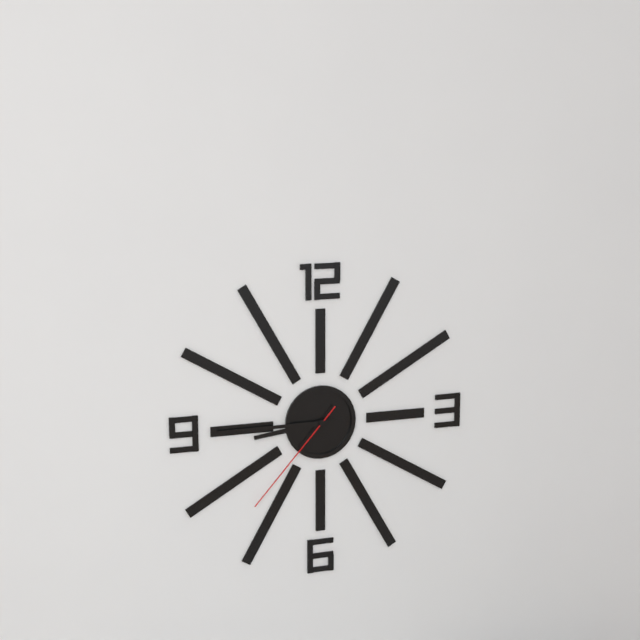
8.45.37
